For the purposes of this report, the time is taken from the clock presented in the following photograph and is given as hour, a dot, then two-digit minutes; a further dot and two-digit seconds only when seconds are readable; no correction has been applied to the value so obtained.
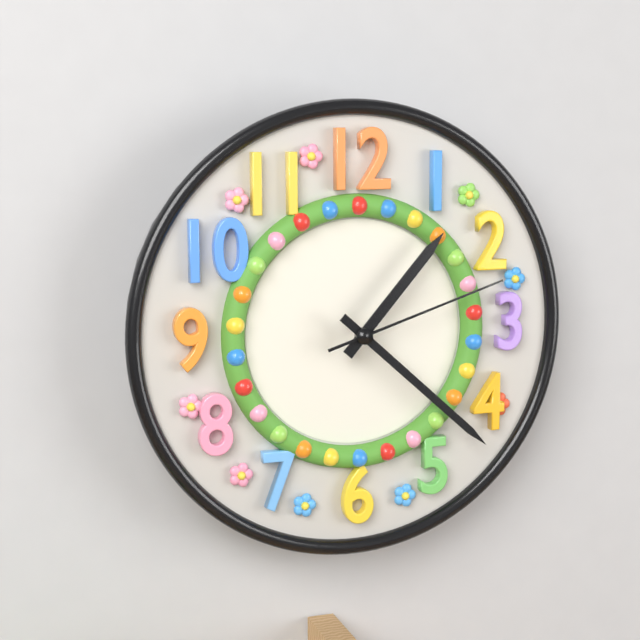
1.22.12
